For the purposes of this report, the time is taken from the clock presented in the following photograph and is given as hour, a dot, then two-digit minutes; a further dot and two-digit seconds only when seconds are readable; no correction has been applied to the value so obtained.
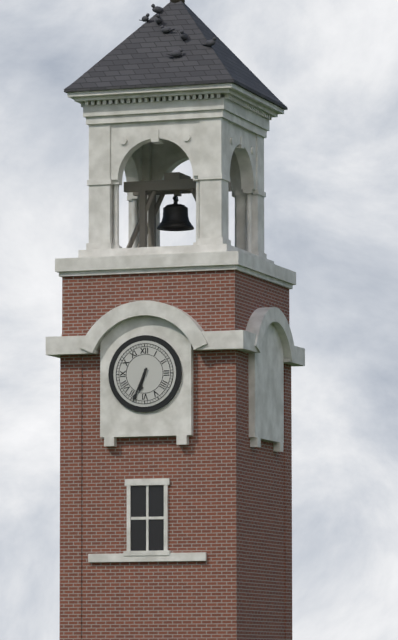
6.34
